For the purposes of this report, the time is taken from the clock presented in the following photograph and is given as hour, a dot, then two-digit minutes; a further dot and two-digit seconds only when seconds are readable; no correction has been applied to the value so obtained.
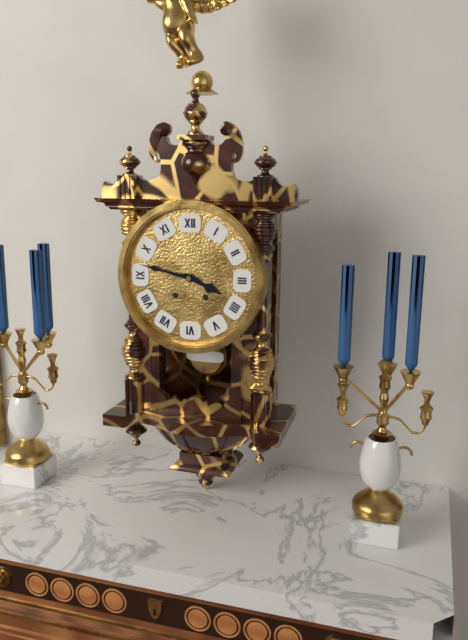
3.47
